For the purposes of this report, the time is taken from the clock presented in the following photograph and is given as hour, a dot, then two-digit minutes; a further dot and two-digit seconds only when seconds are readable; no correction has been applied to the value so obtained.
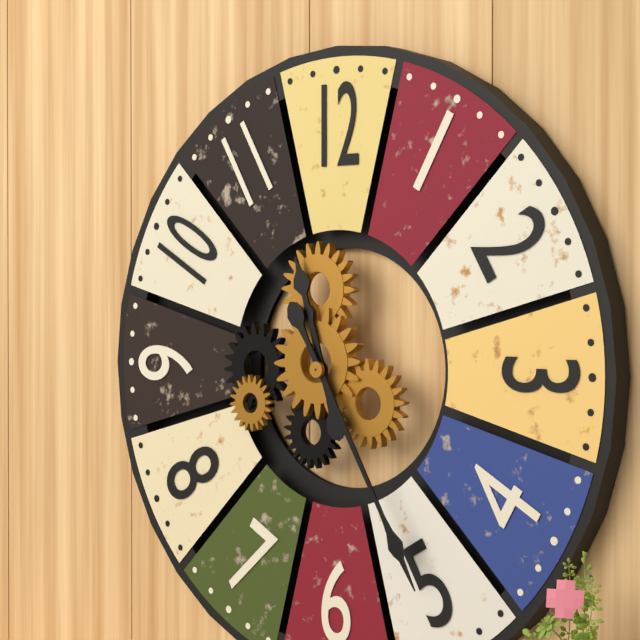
11.25
